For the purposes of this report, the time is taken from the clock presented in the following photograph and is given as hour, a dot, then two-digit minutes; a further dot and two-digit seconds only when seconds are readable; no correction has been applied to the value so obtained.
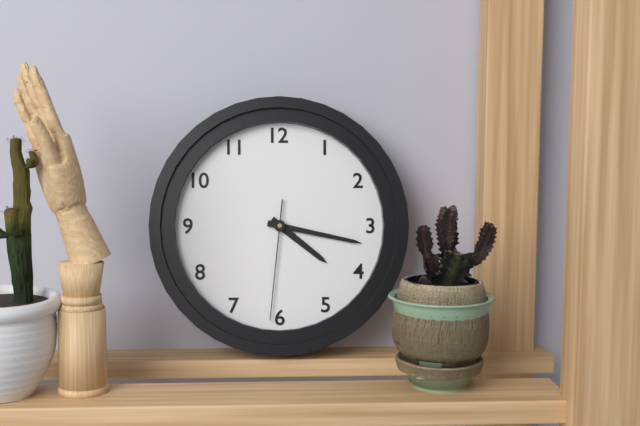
4.17.31
